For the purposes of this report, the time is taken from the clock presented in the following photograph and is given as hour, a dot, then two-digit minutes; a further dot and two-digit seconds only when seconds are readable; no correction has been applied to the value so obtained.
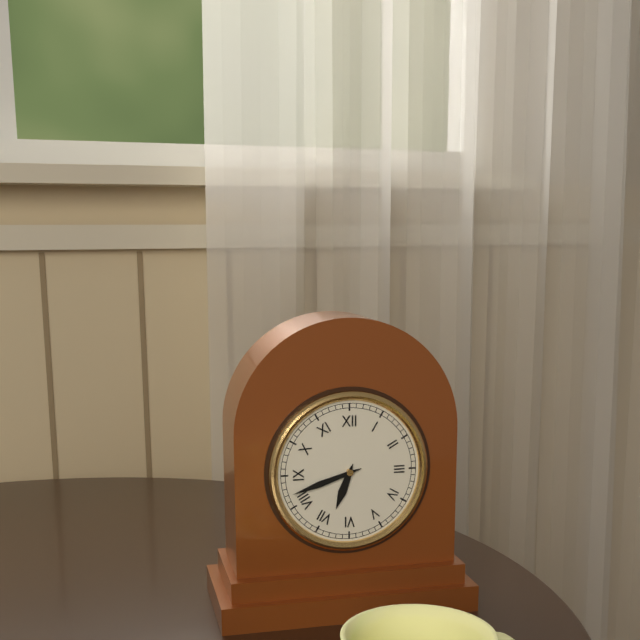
6.42
